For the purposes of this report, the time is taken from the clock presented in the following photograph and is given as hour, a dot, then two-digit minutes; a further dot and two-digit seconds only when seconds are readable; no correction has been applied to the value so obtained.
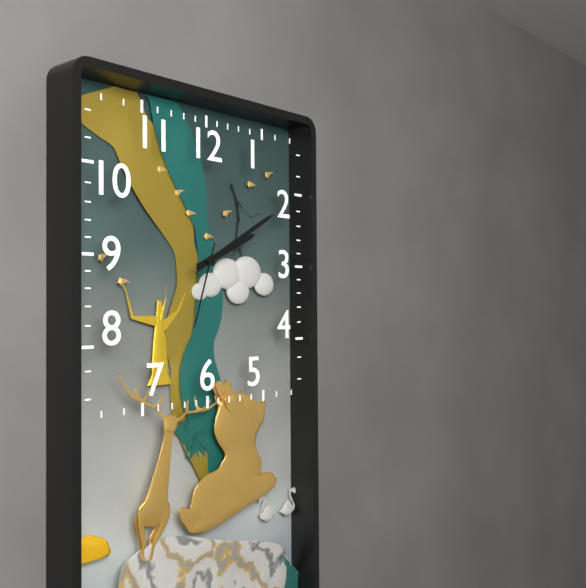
2.10.33
